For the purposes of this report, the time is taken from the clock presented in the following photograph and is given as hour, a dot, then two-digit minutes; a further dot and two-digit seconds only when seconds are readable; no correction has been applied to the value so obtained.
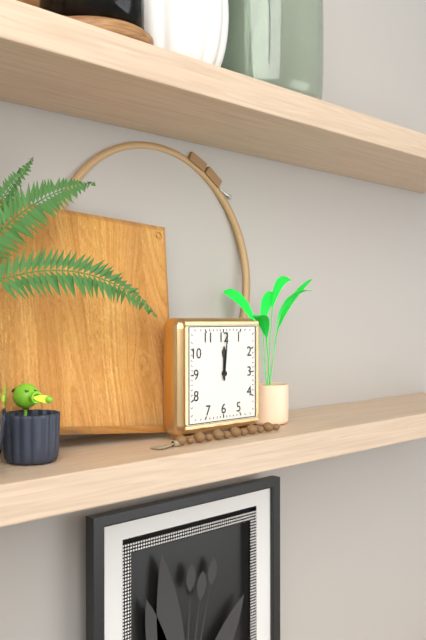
12.01
